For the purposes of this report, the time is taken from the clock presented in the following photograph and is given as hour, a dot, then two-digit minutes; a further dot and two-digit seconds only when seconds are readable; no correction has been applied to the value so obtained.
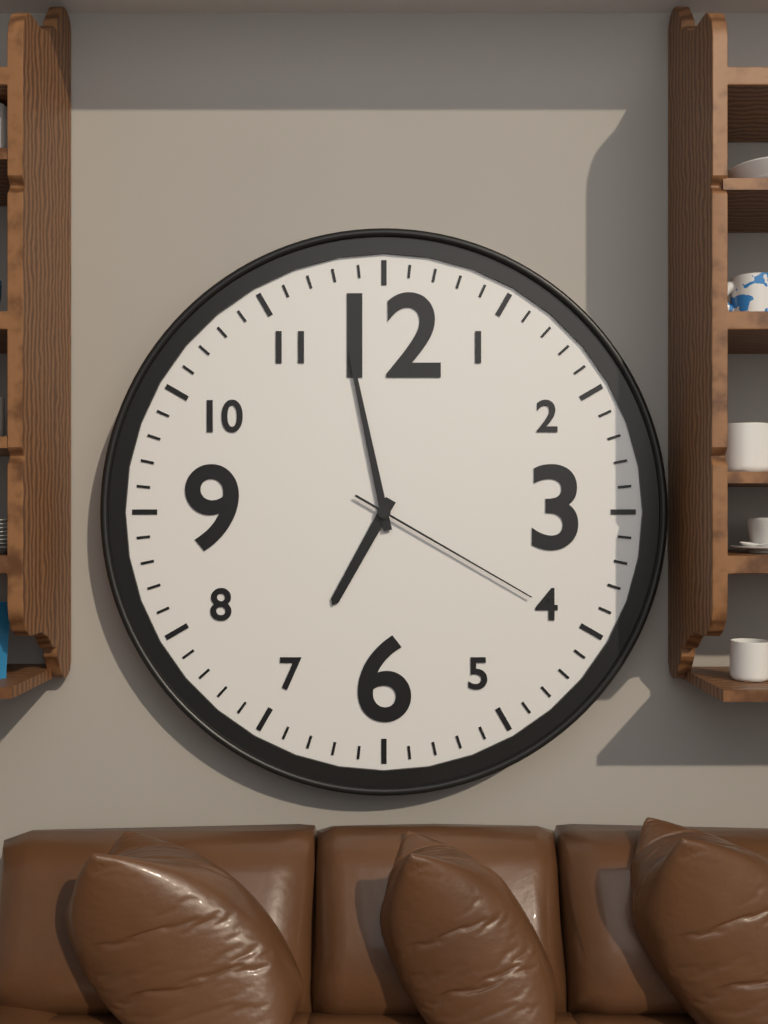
6.58.20
